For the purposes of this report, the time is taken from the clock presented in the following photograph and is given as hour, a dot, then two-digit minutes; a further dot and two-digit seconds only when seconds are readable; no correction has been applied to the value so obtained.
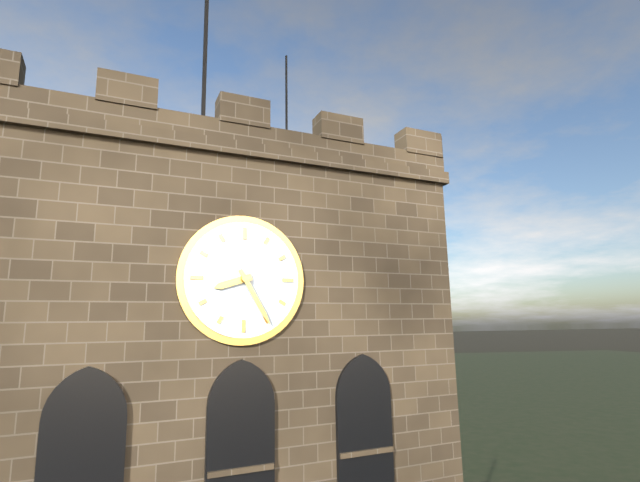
8.25
